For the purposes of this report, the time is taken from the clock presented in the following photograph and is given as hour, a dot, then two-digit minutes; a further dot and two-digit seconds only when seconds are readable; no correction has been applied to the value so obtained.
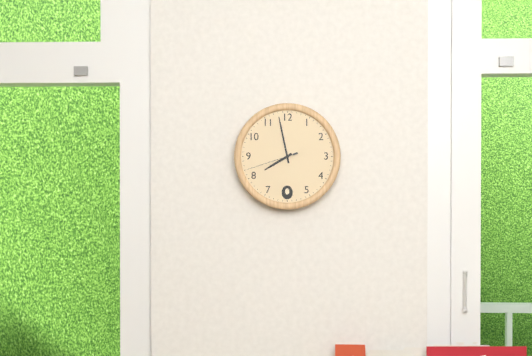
7.58.42
